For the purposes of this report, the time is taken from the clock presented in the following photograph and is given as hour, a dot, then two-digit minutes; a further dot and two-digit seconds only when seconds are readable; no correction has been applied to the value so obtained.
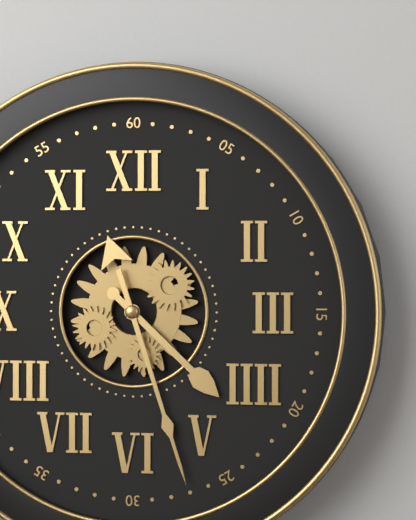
4.27
